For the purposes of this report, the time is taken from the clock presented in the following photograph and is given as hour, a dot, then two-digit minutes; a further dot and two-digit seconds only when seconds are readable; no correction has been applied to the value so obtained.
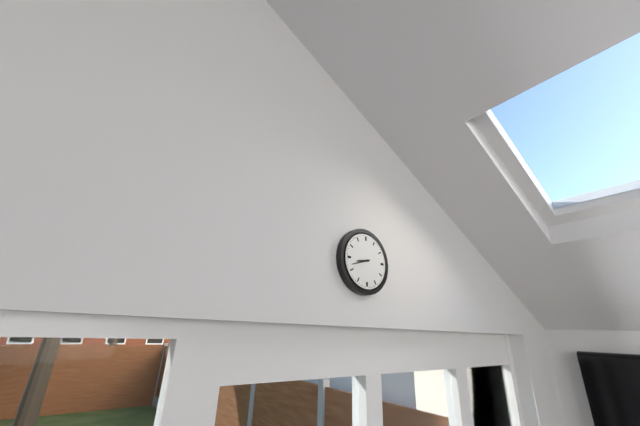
8.42
